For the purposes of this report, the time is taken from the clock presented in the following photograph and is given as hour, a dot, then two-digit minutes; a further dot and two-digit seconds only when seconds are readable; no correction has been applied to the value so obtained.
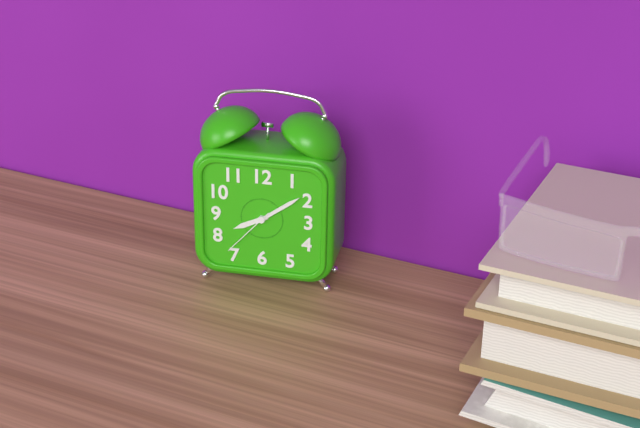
8.09.37
